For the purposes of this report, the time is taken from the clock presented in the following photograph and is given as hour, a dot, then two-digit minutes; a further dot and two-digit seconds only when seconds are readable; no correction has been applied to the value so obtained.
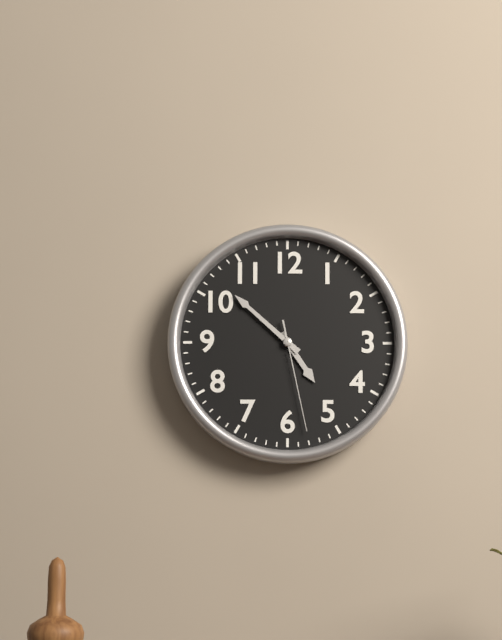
4.52.28
